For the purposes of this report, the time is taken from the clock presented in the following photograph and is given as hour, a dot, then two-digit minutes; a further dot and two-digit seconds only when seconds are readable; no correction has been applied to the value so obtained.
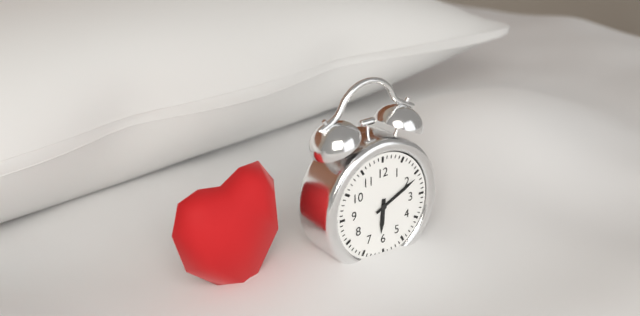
6.11
